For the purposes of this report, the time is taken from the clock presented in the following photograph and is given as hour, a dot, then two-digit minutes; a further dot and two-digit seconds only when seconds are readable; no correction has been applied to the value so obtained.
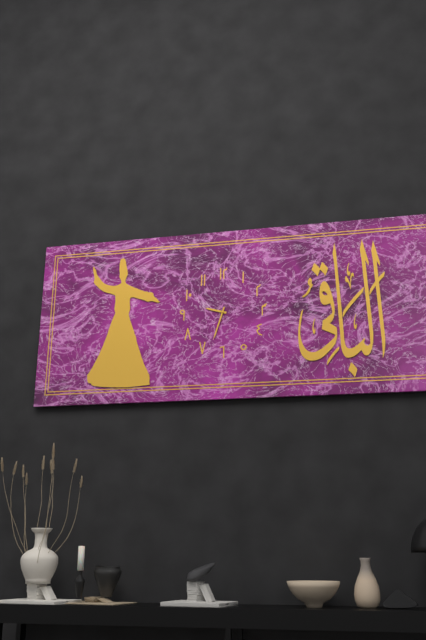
9.33
